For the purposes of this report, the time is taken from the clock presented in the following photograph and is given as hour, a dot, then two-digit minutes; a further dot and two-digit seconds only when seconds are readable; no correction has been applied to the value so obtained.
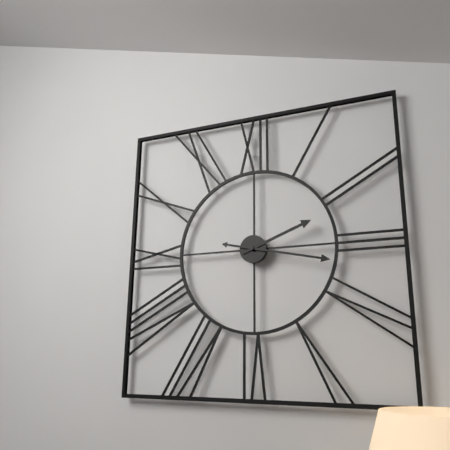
2.17
